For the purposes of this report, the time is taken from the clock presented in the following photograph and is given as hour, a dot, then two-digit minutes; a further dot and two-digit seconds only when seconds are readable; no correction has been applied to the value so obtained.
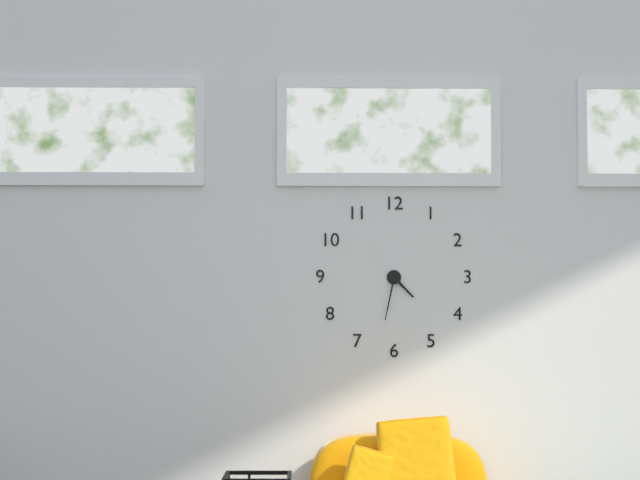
4.32
